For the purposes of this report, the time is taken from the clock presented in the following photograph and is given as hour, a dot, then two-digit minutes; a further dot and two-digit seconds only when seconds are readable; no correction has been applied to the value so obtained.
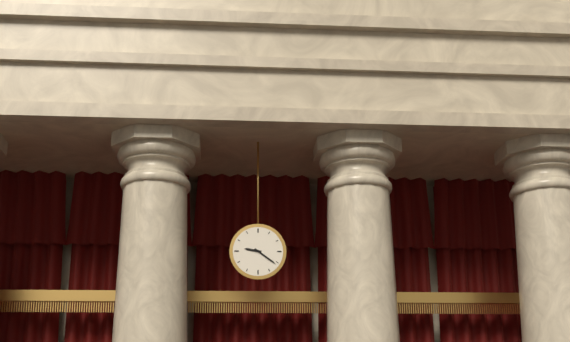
9.21
